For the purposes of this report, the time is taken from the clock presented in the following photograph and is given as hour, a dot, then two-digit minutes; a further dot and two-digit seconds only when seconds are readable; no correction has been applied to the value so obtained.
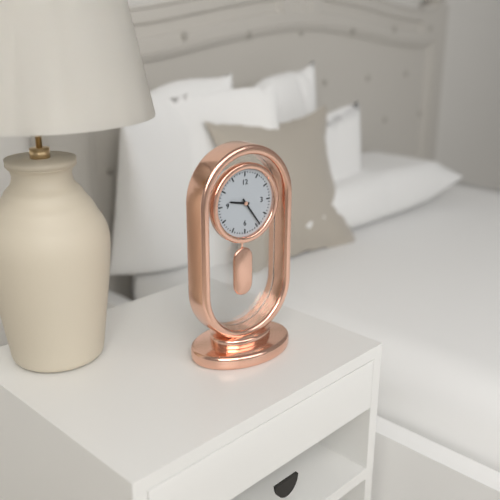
9.24
